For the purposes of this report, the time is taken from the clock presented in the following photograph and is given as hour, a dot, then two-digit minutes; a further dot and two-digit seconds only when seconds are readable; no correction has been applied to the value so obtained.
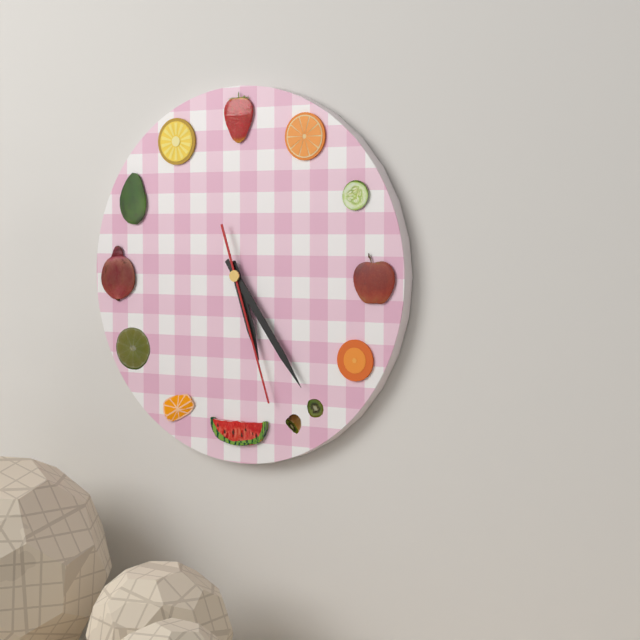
5.24.27
